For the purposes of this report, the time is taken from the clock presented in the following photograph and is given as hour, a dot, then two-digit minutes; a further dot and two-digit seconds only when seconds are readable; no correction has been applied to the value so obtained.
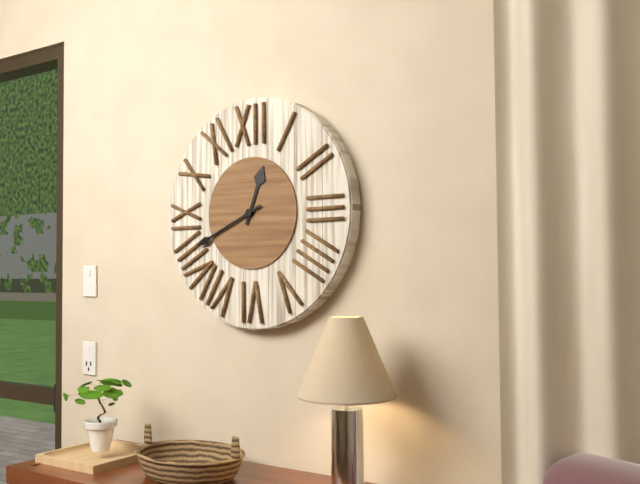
12.41
